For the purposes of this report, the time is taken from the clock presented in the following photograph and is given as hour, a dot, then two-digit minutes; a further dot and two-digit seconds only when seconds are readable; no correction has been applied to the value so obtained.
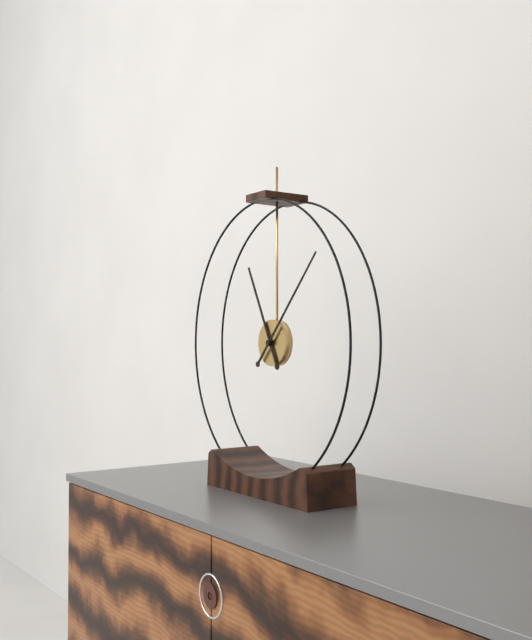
11.07
